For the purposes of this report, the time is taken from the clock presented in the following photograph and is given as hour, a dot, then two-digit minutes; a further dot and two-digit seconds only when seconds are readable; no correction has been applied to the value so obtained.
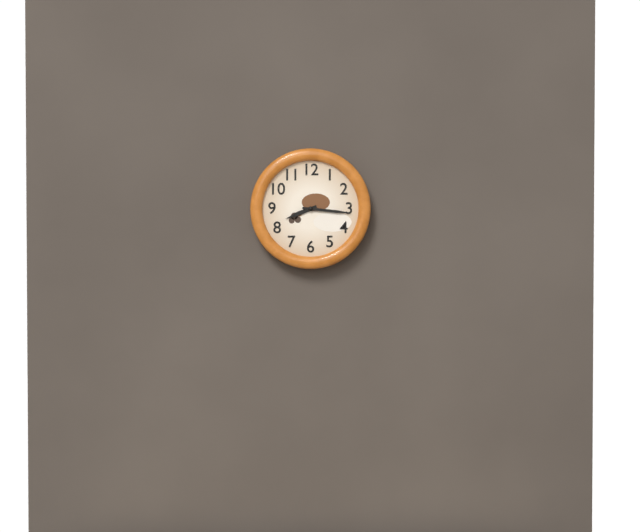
8.16
